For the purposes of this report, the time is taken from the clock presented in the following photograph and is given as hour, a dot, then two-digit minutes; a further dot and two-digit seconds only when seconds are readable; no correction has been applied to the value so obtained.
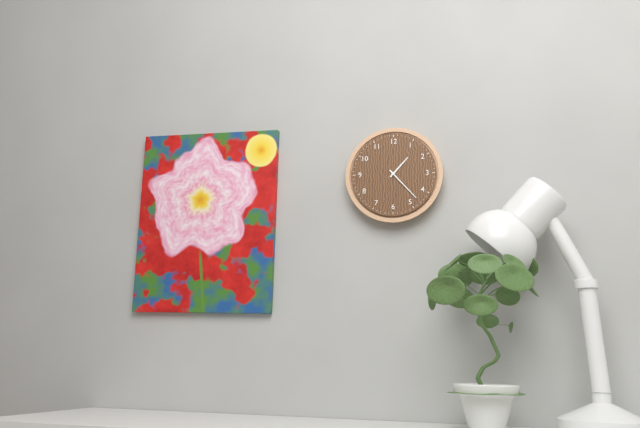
1.23
